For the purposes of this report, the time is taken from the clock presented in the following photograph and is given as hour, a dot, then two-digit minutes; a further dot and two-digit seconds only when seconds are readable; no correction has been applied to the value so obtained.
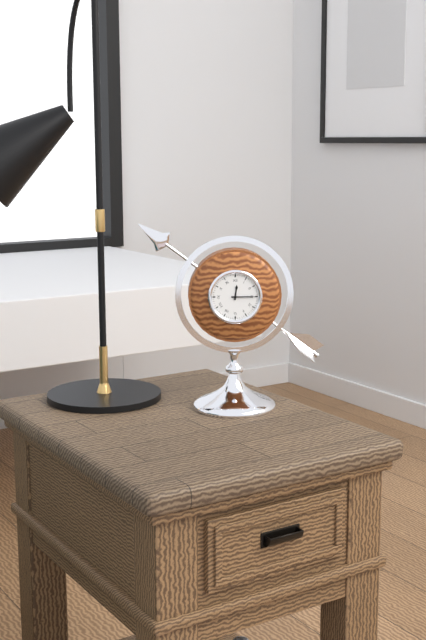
12.15
